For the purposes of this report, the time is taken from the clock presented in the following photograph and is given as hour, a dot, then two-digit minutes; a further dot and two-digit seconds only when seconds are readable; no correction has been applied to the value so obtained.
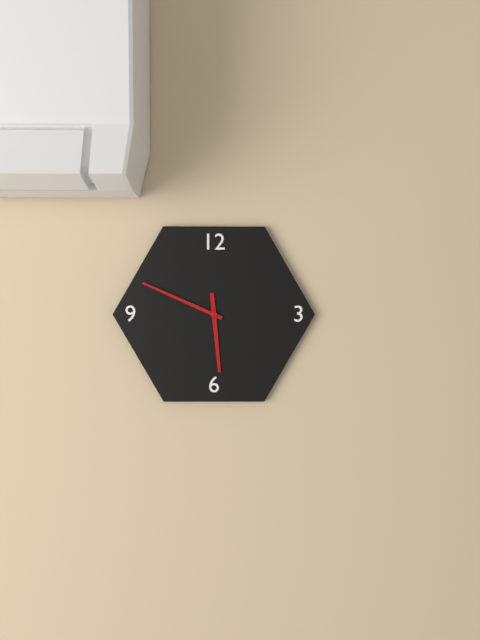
5.49
